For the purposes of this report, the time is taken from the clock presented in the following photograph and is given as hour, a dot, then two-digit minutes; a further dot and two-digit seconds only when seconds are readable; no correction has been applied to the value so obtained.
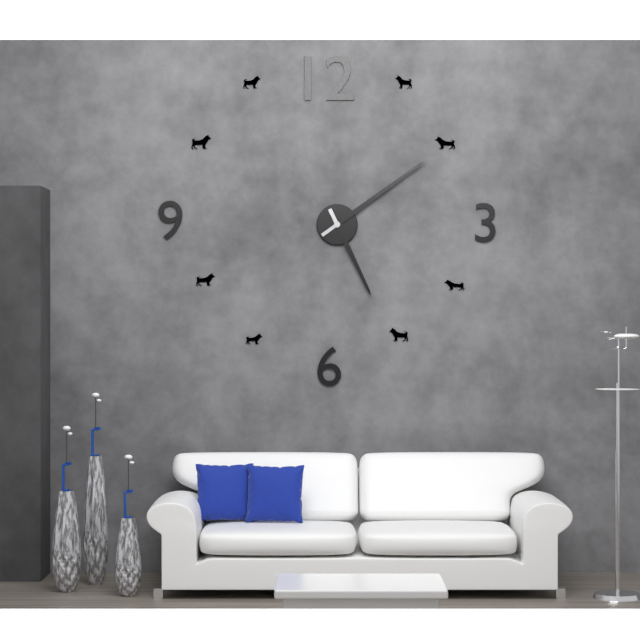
5.09
